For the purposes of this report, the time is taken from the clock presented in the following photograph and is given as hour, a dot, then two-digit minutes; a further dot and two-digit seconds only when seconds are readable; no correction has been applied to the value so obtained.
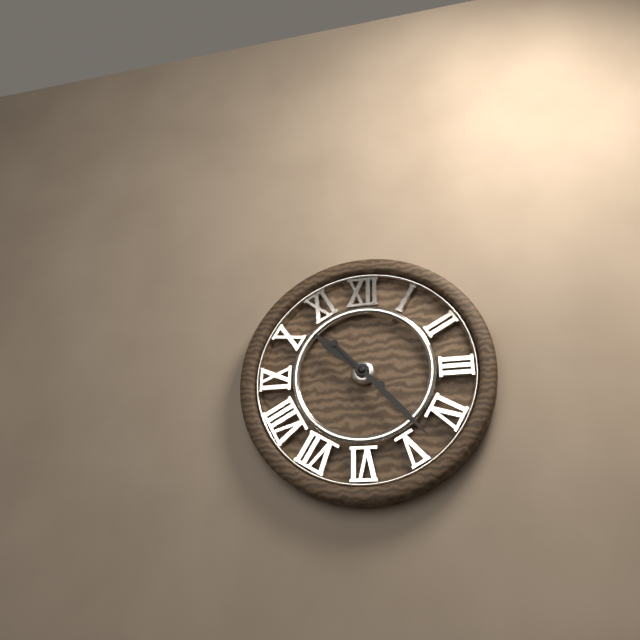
10.23
